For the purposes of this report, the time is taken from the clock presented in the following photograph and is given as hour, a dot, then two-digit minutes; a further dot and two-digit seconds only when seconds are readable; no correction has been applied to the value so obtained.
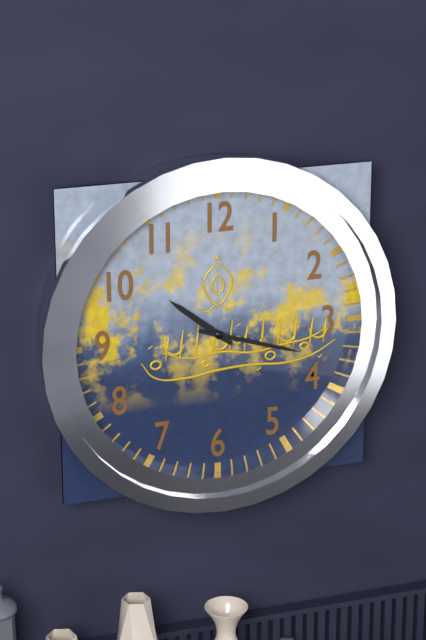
10.18
